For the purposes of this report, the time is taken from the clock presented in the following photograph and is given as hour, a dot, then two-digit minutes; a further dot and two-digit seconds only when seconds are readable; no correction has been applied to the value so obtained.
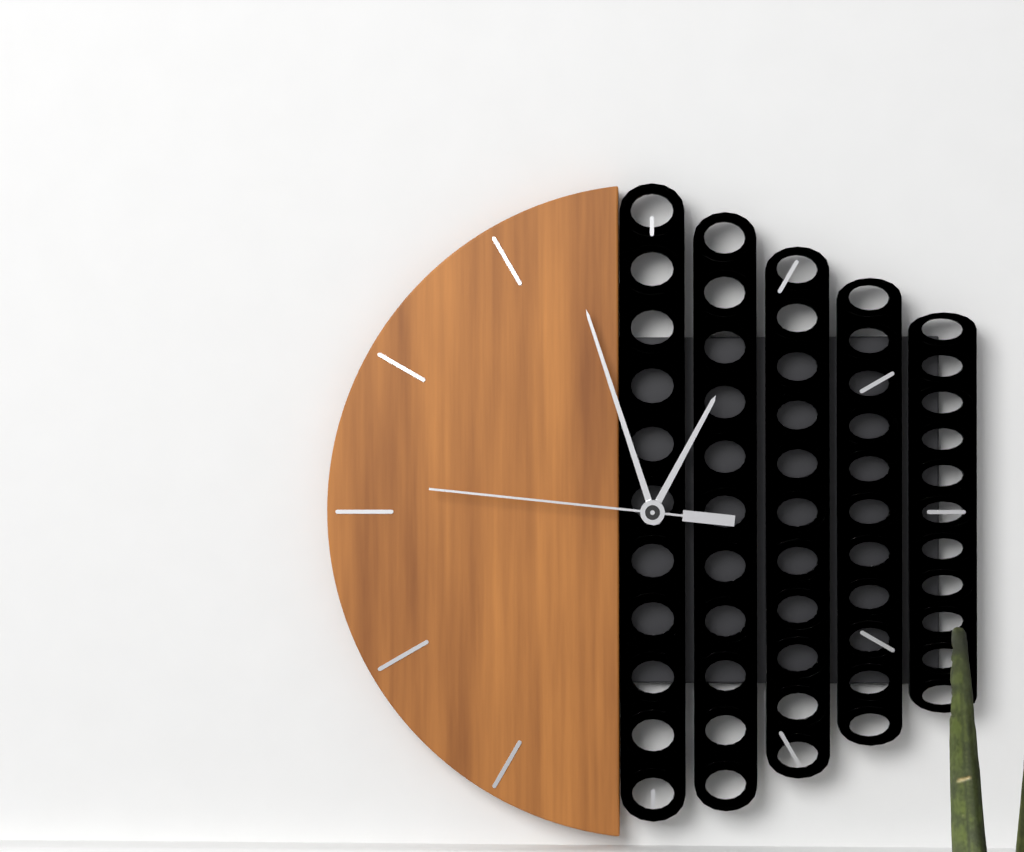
12.57.46
